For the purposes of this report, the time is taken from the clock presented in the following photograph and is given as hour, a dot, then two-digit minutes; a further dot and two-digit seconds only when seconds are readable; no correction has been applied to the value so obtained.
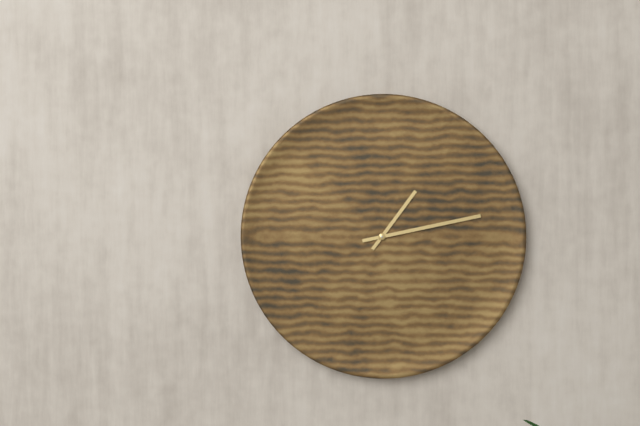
1.13
